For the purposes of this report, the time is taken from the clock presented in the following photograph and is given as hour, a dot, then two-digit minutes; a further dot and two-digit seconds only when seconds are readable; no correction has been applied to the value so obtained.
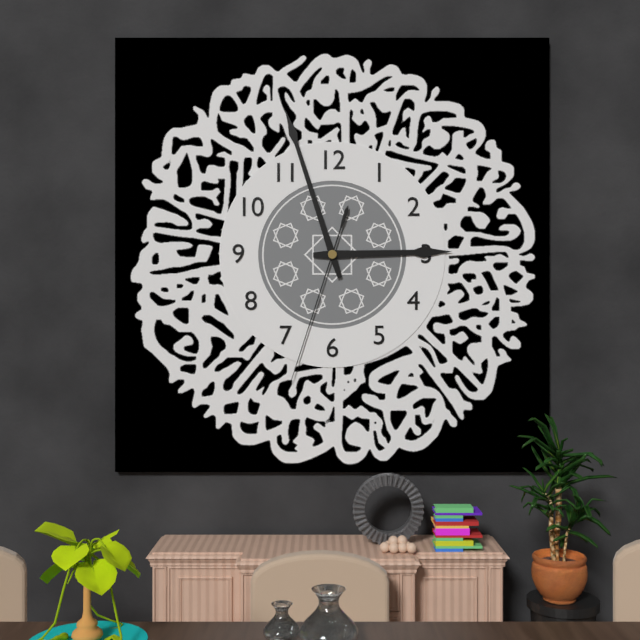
2.57.33
